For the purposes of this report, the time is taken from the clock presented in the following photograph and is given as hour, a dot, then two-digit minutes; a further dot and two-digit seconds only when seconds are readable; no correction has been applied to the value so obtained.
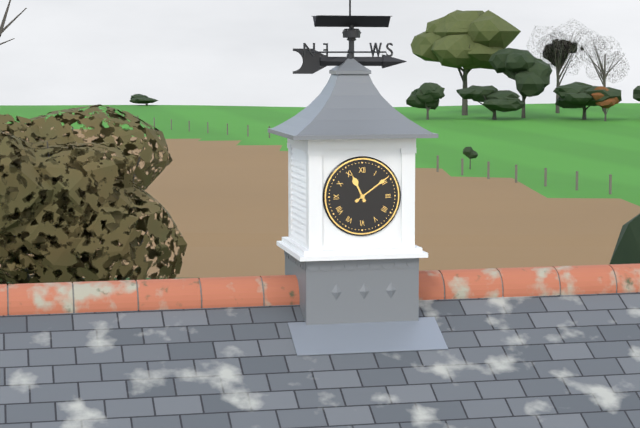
11.09
